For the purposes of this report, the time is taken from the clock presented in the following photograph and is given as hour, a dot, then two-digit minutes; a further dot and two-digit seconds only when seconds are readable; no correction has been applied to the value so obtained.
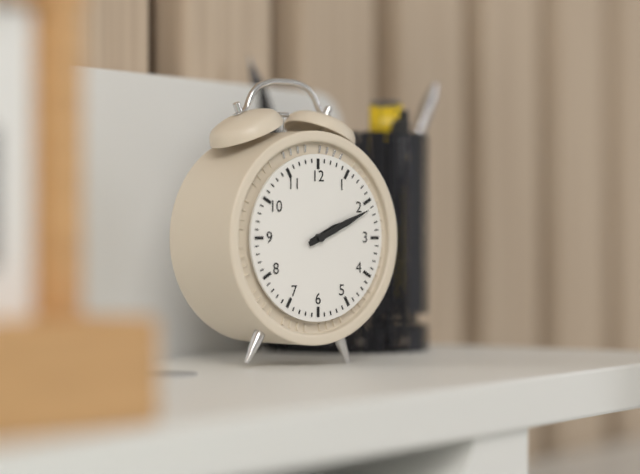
2.11
